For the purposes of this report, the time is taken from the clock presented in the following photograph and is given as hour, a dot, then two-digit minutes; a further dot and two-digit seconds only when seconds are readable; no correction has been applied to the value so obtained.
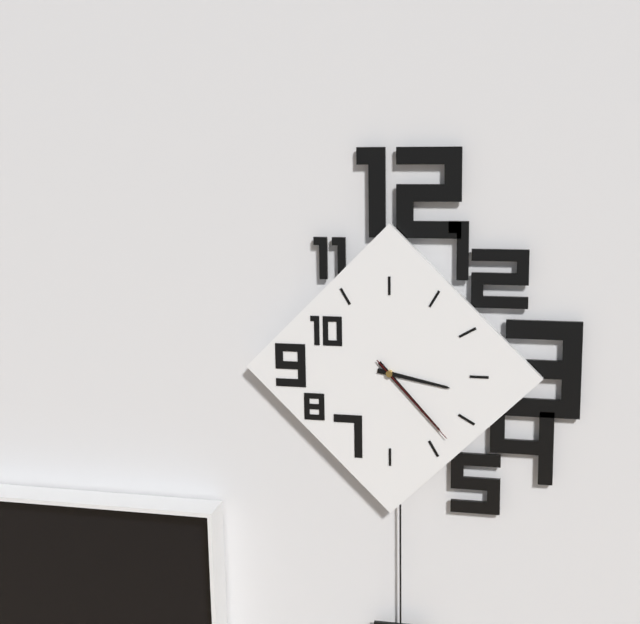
3.23.23
